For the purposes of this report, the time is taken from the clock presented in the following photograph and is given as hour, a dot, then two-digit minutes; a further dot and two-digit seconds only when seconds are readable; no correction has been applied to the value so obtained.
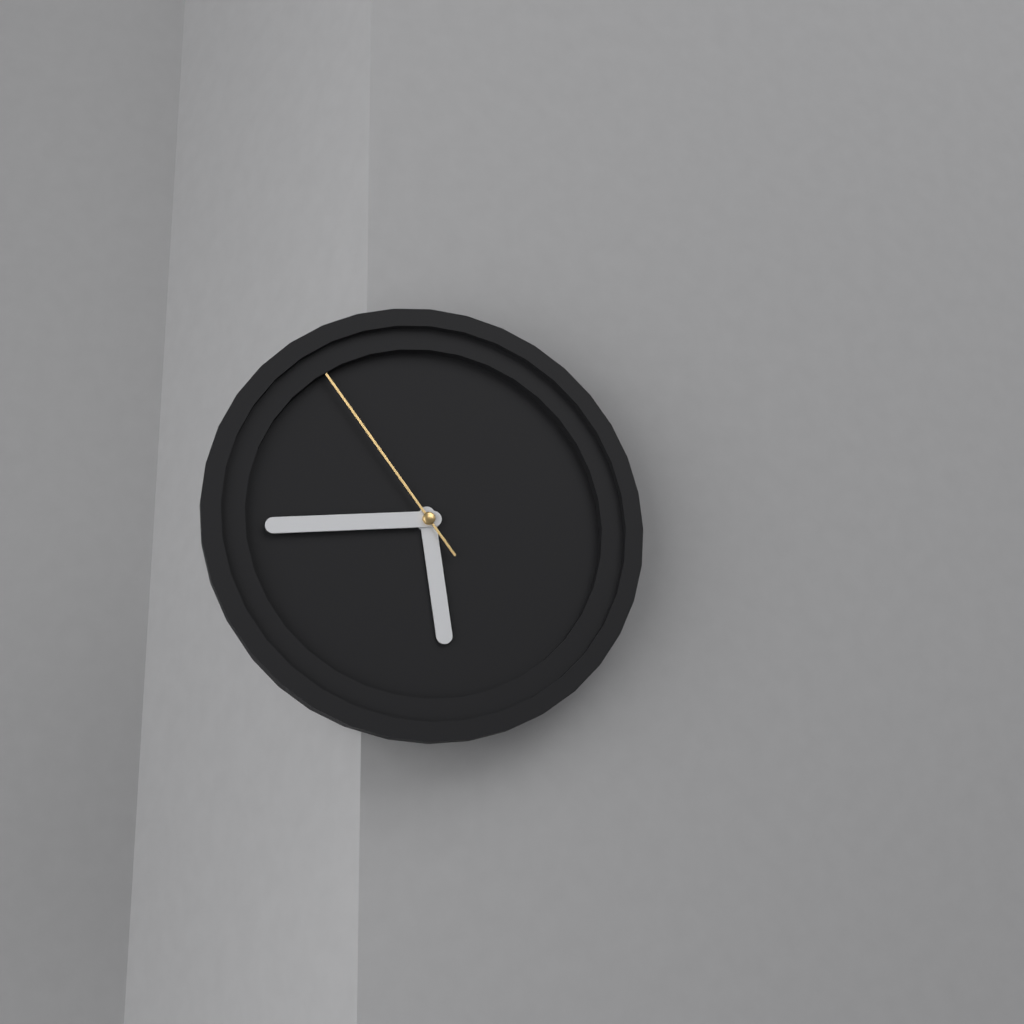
5.44.54
